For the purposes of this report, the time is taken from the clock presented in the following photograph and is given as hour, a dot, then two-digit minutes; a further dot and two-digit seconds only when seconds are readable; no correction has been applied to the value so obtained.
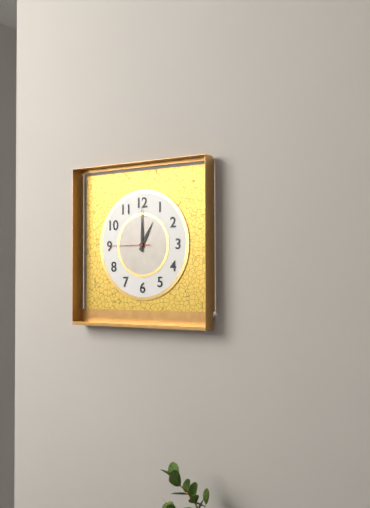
1.00
